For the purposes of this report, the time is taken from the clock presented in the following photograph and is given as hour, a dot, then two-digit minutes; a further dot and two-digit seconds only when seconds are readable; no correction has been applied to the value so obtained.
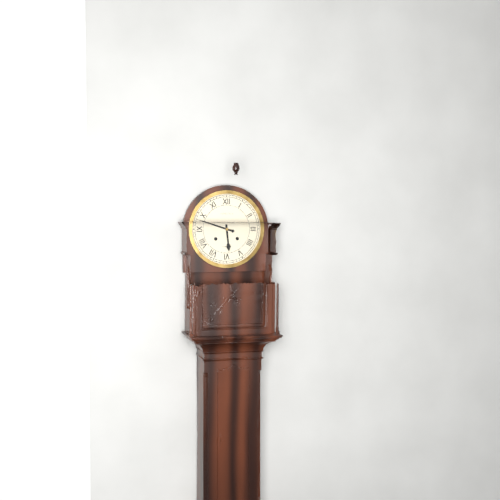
5.48
